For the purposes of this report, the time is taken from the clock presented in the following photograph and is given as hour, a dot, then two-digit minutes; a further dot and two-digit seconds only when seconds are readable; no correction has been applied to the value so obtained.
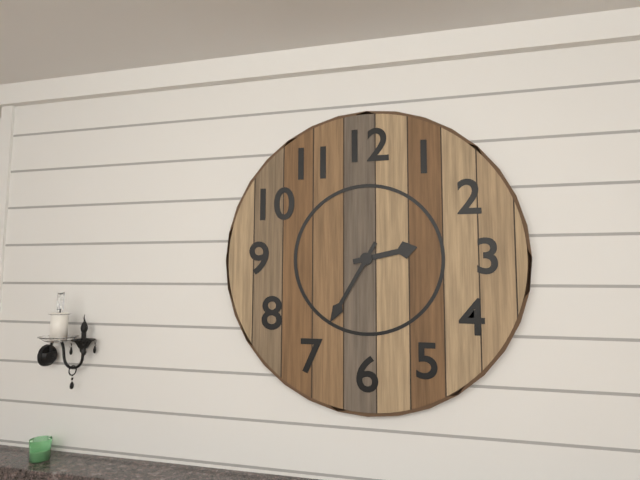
2.35
